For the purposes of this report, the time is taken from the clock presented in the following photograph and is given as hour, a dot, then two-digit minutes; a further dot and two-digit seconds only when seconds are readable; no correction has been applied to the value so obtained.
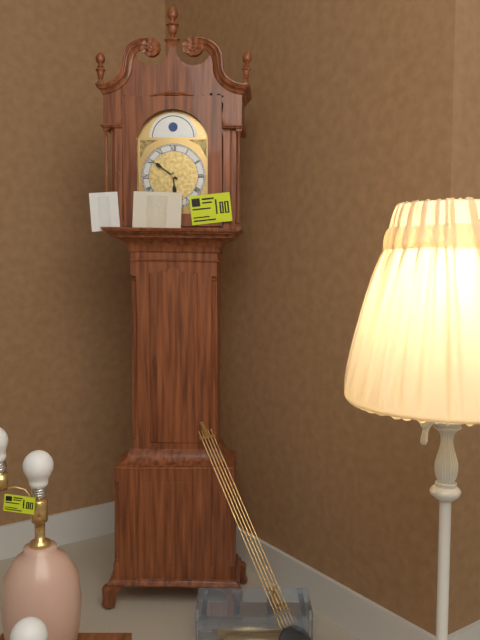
5.51
